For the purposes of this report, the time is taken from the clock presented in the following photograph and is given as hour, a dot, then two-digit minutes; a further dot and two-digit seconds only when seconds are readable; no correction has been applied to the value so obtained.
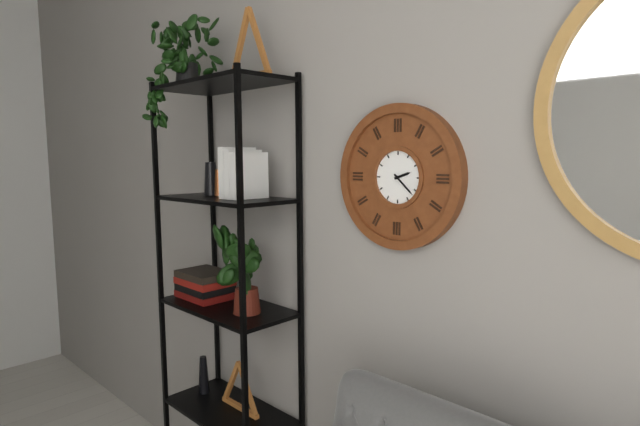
2.22
